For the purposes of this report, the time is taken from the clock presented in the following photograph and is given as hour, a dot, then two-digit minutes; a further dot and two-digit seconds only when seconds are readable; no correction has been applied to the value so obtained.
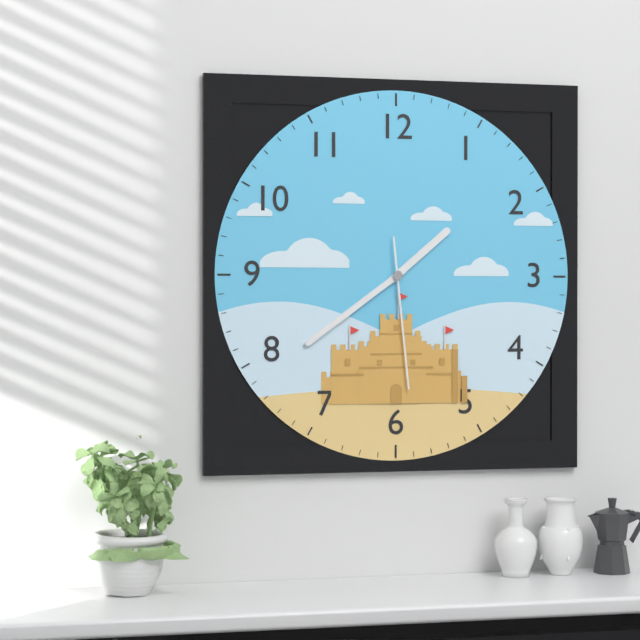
1.39.29
